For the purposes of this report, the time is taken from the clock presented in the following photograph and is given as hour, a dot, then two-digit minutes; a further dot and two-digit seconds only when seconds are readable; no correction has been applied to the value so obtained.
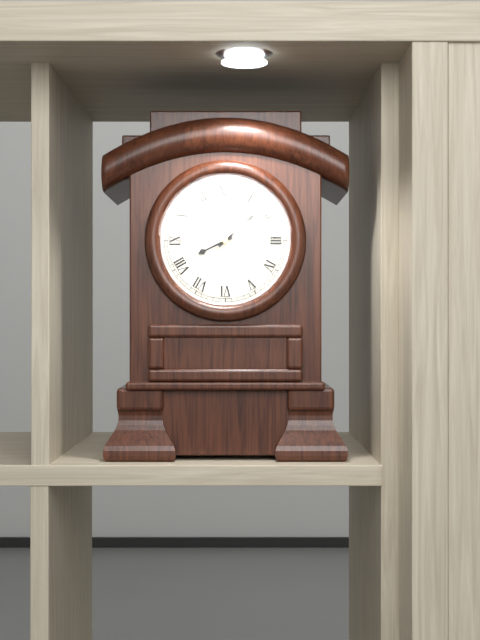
8.08
